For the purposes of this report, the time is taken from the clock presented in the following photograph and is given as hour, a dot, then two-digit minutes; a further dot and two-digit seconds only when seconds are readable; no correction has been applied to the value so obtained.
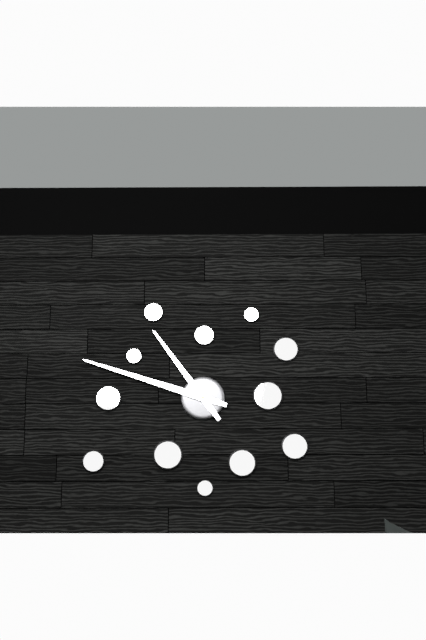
10.48
